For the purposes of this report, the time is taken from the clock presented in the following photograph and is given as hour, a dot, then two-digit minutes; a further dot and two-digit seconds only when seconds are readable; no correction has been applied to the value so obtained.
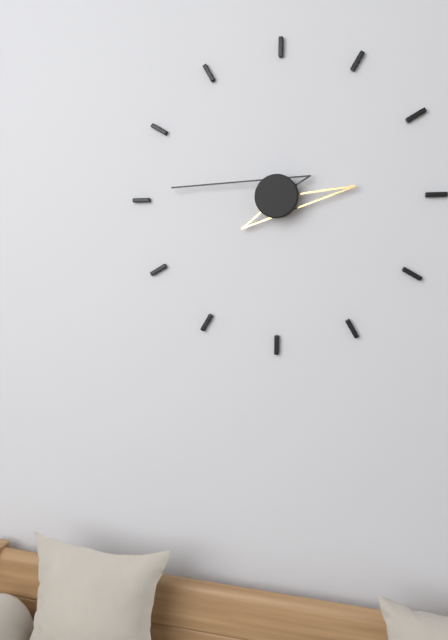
2.46
